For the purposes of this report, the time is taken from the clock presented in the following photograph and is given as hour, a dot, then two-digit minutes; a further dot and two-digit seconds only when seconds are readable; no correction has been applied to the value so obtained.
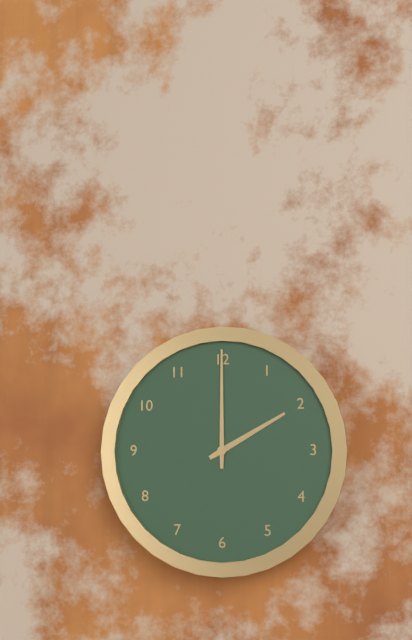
2.00
